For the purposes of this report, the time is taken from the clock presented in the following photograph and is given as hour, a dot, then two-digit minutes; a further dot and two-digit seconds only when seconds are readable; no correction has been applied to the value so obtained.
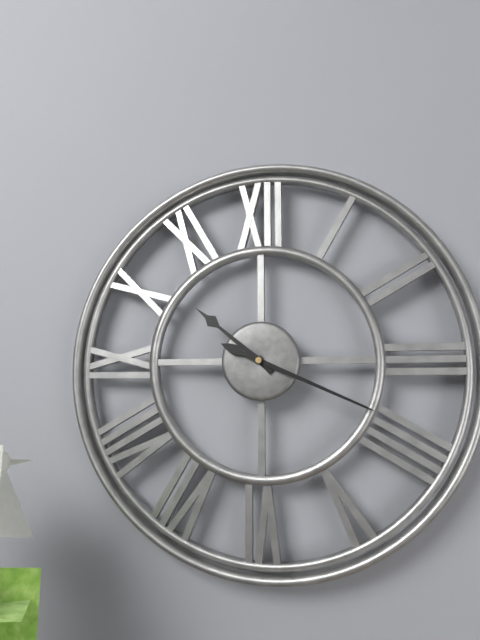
10.19
